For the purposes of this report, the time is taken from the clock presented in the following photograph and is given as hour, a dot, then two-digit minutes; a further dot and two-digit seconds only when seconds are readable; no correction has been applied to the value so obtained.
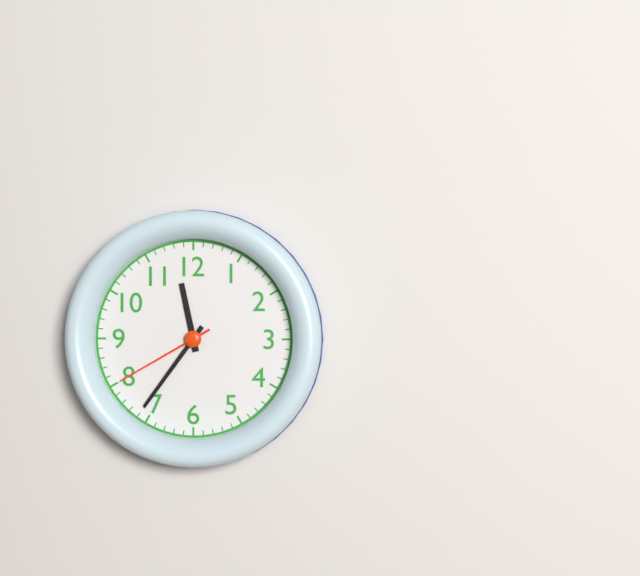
11.36.40
